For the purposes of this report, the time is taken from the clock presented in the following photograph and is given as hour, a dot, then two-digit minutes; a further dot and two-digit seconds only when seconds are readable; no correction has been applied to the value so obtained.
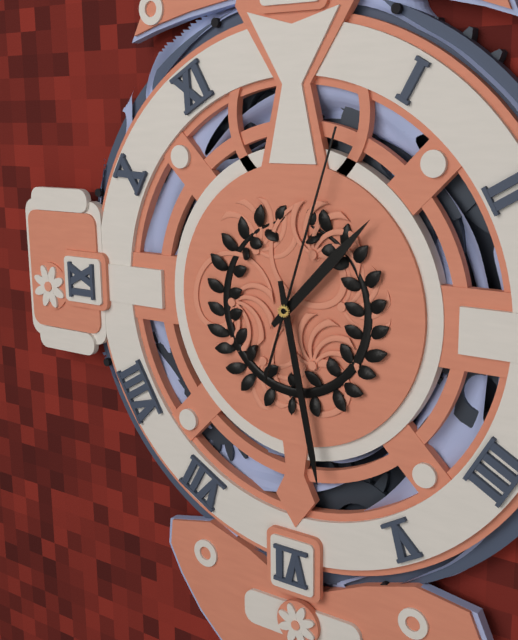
1.28.03
